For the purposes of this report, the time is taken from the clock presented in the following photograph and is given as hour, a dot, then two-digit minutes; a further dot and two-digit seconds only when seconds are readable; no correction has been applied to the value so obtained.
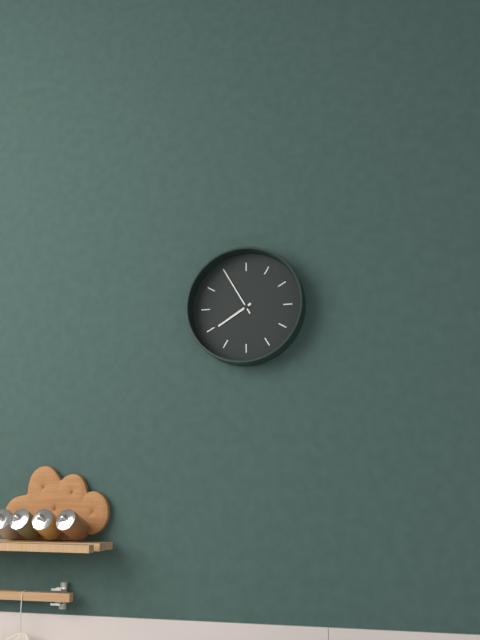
7.55
